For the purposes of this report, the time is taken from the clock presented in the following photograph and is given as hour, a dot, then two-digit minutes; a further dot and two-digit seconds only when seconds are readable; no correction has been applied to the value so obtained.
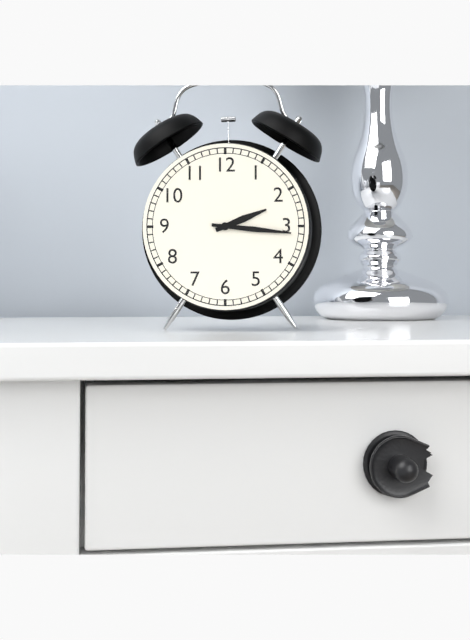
2.16
